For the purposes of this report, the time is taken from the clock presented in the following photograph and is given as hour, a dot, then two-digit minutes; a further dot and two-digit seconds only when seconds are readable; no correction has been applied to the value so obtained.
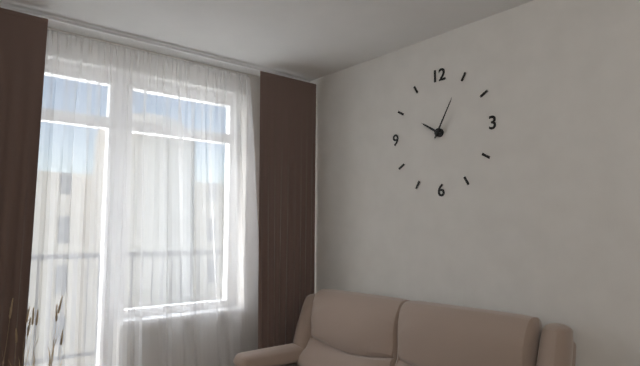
10.05
